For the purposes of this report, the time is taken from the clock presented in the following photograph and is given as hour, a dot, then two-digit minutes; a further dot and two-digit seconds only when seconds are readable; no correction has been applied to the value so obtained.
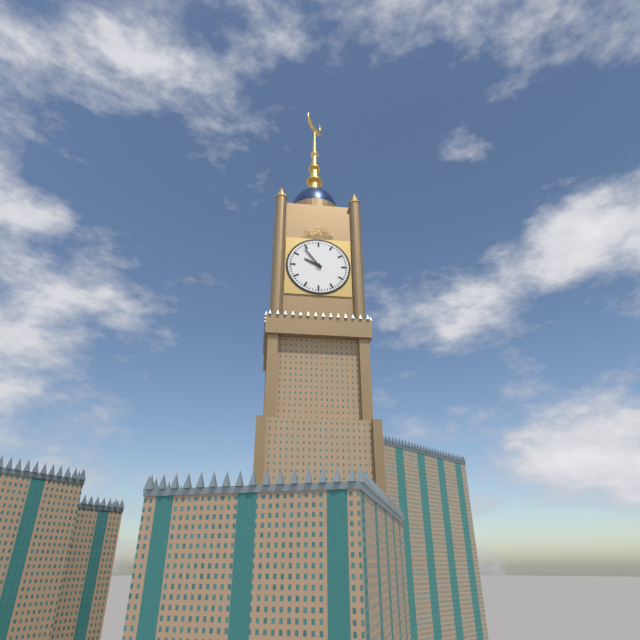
9.54
